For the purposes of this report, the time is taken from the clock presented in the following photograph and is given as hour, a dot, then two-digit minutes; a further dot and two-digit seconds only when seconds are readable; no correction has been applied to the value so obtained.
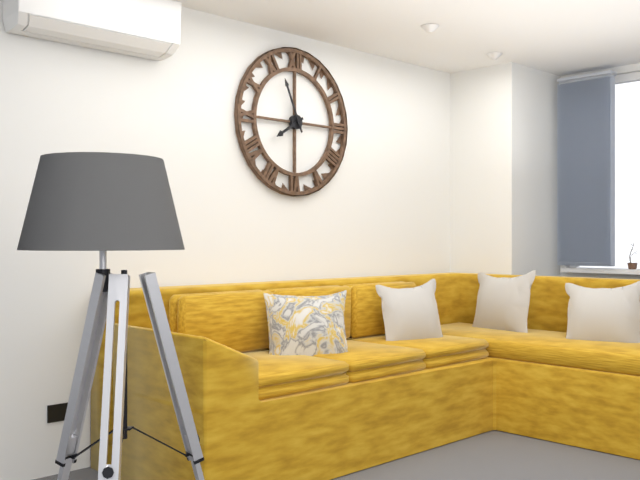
7.56
